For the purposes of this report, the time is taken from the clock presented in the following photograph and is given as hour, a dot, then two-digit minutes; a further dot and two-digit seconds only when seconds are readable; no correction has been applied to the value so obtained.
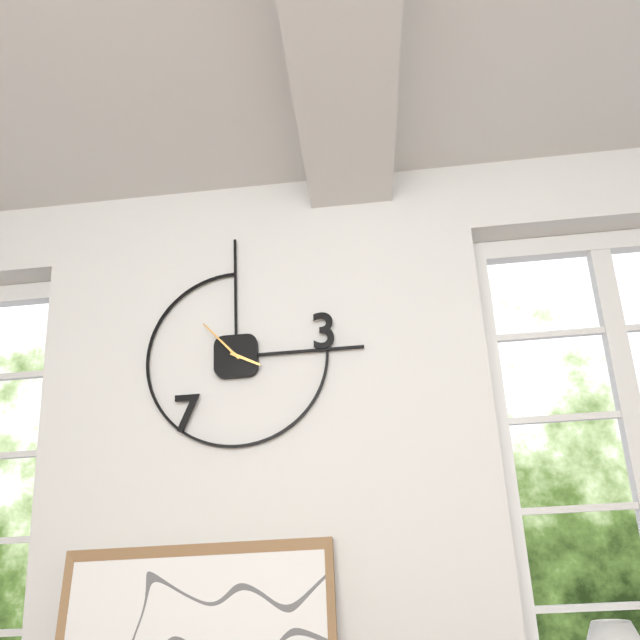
3.53
